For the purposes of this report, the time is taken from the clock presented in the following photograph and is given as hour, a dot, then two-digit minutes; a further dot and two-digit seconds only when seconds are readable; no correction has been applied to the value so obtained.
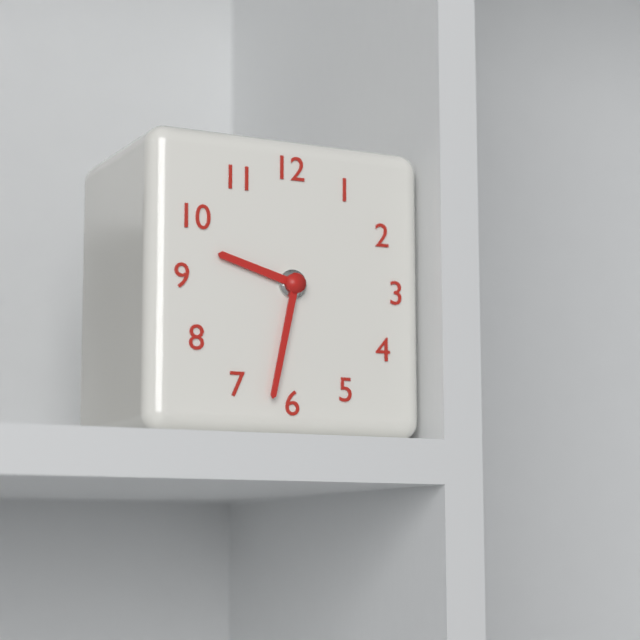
9.32
